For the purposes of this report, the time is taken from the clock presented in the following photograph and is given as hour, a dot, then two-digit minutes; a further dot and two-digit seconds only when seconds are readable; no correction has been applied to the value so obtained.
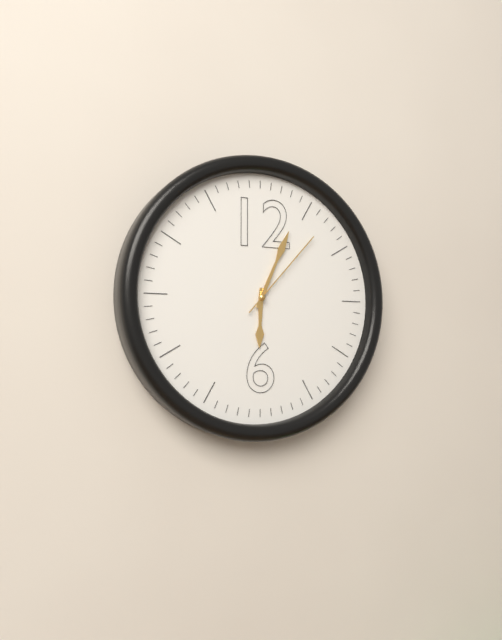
6.04.07
